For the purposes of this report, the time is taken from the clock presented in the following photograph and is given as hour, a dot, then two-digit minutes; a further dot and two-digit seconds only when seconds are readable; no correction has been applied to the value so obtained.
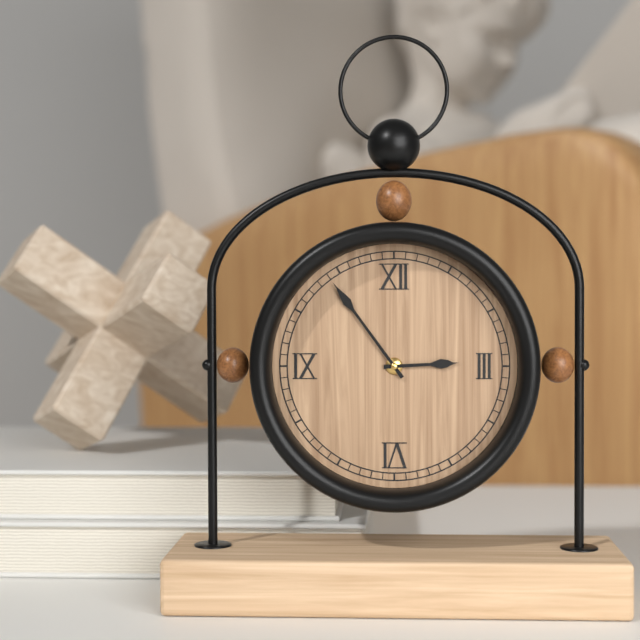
2.54
